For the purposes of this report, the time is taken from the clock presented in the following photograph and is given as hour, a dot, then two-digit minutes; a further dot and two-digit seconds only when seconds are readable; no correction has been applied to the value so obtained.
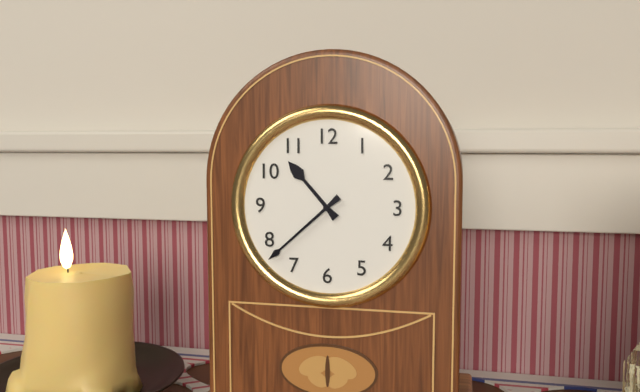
10.38
